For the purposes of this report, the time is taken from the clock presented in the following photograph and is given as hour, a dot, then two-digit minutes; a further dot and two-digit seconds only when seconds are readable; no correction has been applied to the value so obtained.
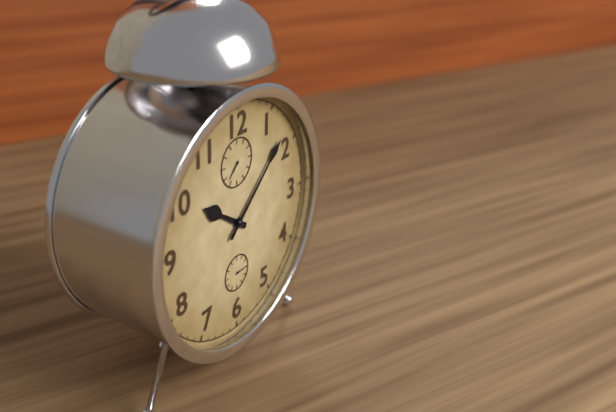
10.08
